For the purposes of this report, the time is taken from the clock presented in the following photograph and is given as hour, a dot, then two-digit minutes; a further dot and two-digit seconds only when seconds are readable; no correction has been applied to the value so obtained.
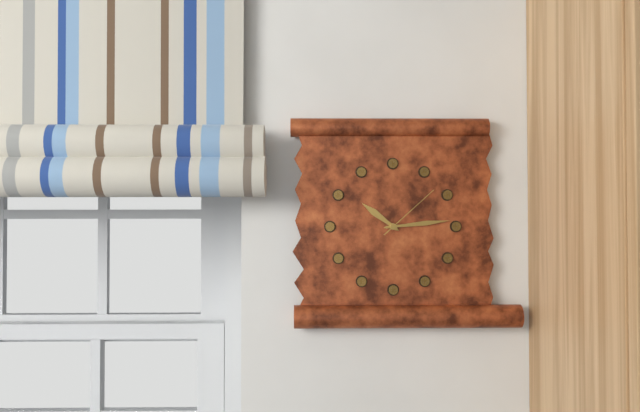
10.14.08
